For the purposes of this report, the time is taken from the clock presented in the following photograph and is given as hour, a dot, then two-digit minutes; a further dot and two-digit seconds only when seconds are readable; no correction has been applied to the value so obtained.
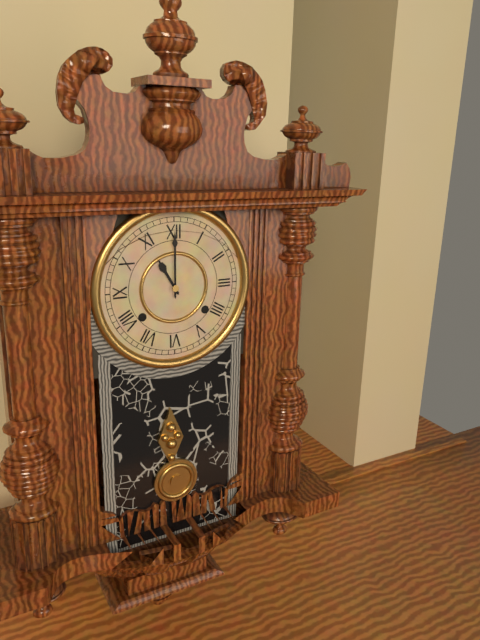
11.00
